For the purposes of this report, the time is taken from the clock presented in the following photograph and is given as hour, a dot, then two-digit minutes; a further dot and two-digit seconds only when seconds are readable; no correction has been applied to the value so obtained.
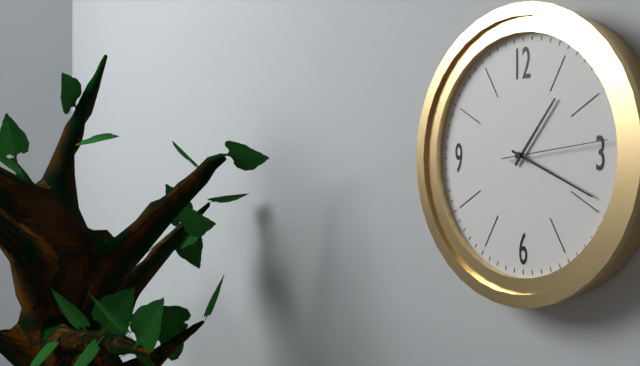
1.19.14
